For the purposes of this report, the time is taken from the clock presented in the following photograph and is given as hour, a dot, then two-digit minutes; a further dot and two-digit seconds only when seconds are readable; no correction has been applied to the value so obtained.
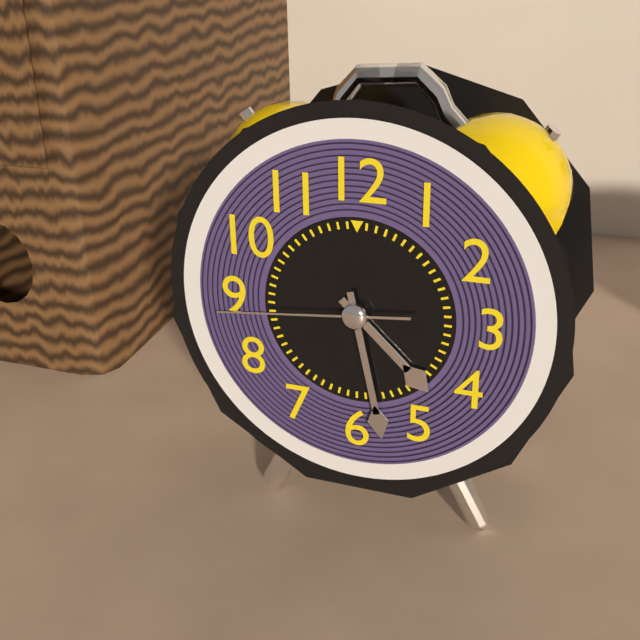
4.28.44
